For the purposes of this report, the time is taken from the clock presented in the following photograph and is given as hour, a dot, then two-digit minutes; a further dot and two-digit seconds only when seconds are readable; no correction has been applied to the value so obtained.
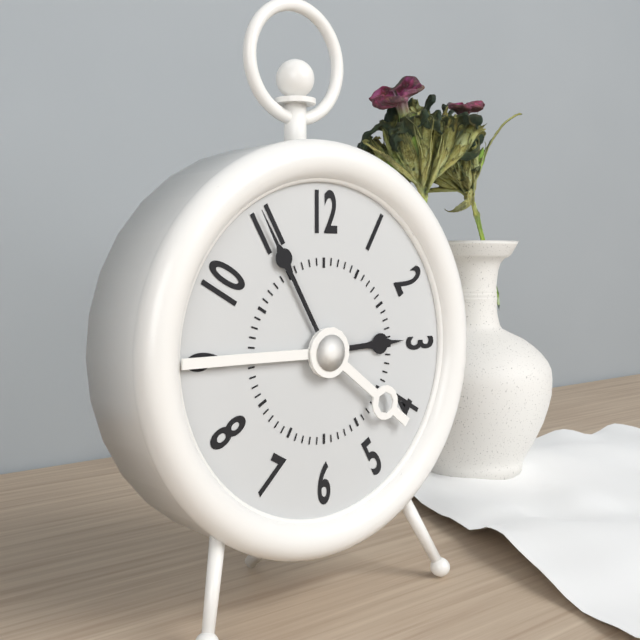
2.55
